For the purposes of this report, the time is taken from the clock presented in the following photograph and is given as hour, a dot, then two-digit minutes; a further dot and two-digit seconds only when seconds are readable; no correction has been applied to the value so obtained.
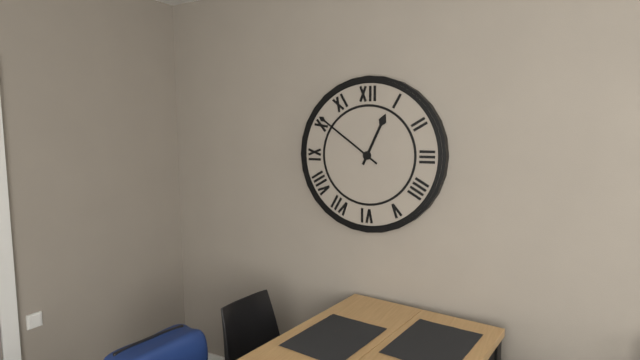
12.51
